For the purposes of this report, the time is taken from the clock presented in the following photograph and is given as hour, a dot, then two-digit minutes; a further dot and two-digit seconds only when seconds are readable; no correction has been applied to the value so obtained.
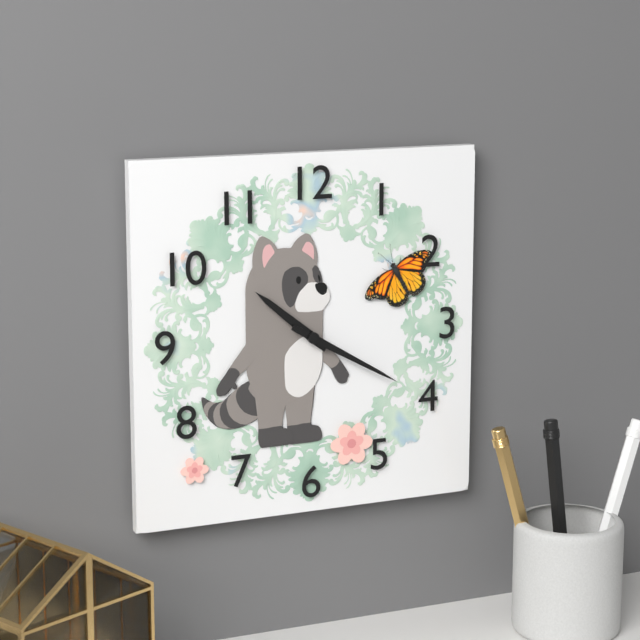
10.20
